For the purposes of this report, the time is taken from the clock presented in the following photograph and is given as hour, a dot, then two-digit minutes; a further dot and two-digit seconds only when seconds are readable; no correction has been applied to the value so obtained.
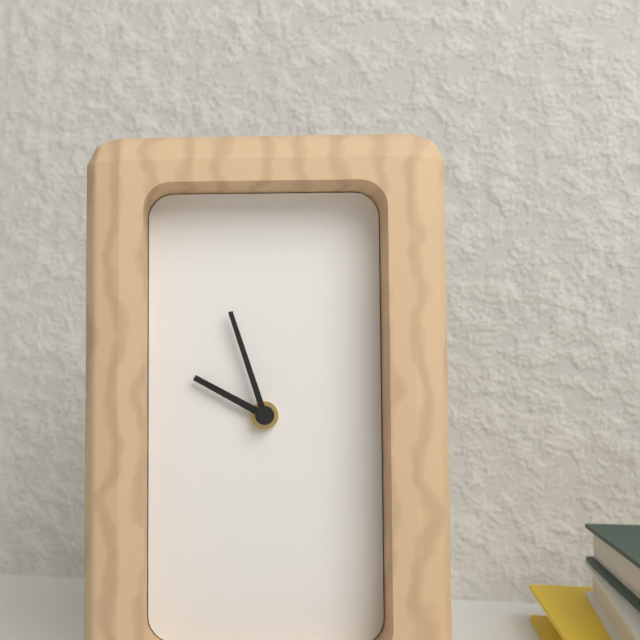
9.57
